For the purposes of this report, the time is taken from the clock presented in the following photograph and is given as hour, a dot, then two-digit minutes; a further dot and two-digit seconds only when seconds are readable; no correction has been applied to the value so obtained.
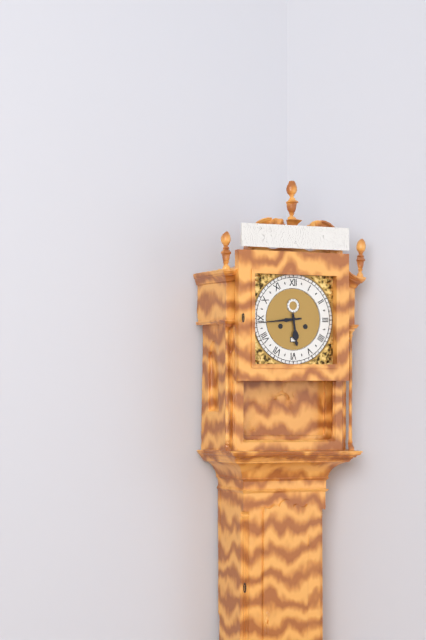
5.44
